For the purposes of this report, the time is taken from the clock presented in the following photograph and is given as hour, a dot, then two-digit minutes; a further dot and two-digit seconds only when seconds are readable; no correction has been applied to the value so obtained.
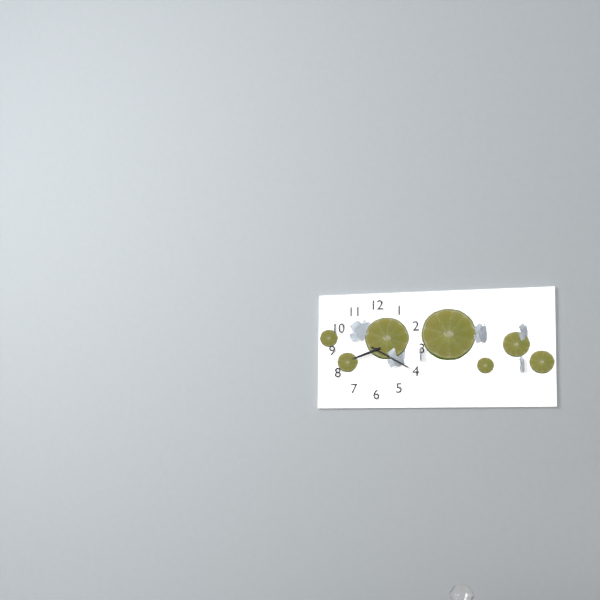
8.20
